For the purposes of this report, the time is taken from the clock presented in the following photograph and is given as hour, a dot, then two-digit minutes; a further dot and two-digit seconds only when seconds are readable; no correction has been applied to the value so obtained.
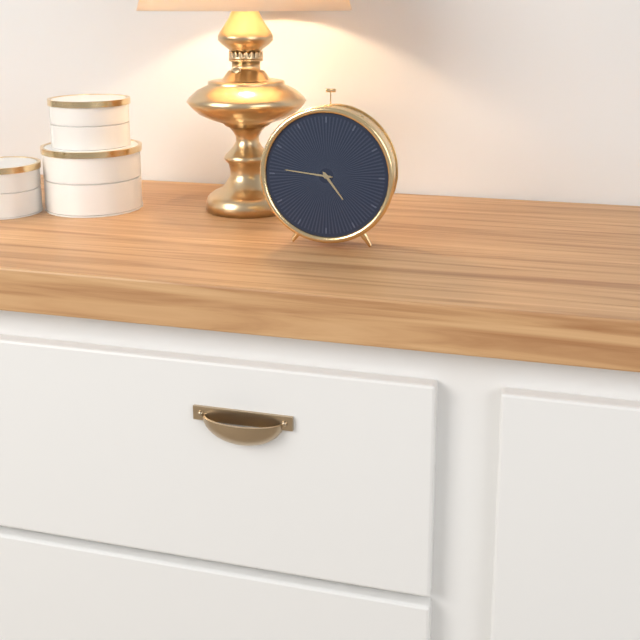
4.46
